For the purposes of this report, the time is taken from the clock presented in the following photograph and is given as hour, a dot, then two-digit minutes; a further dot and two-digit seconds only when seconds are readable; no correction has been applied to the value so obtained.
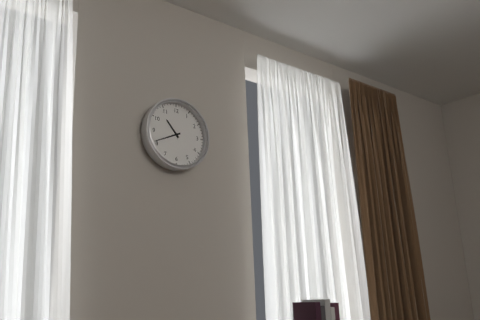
10.41
